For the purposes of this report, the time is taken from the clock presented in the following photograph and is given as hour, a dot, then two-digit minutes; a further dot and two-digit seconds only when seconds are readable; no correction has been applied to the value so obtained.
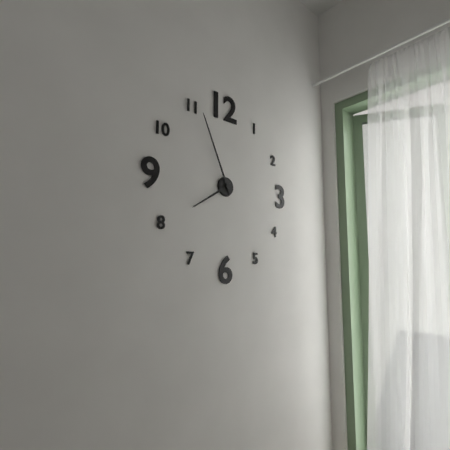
7.56
